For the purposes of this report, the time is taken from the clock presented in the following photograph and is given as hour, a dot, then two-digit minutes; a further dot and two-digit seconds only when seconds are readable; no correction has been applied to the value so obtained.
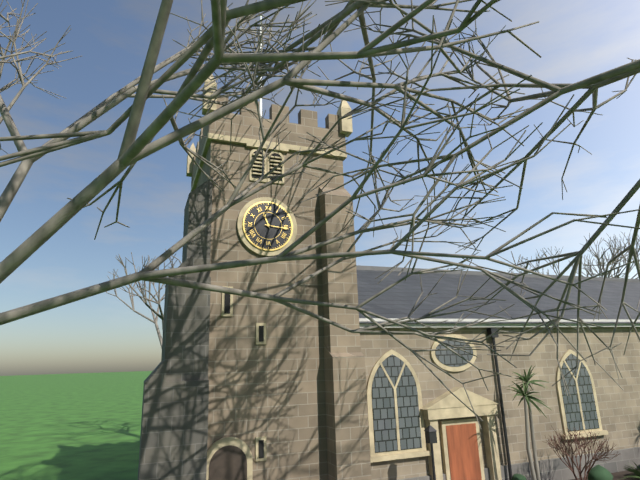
11.16
